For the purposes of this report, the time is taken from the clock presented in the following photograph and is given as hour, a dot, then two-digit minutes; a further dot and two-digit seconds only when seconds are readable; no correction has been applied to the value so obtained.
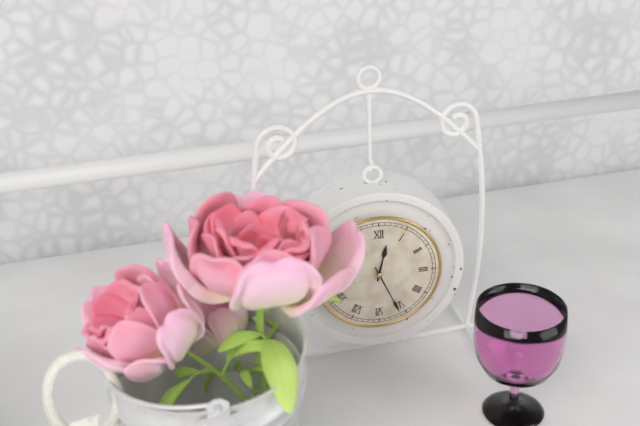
12.26
